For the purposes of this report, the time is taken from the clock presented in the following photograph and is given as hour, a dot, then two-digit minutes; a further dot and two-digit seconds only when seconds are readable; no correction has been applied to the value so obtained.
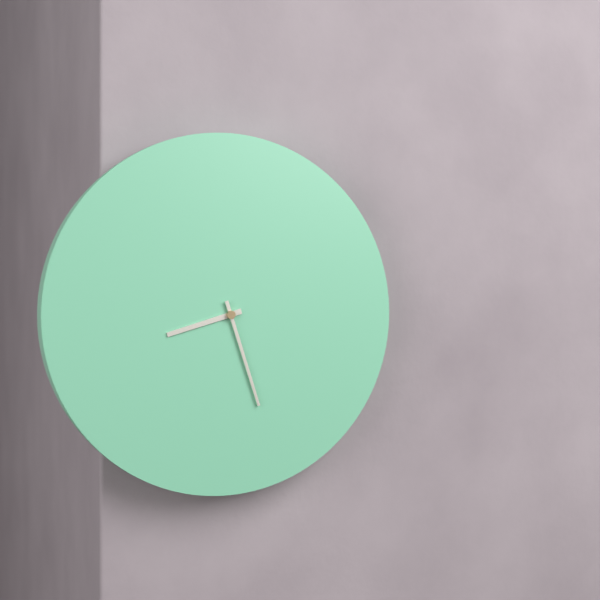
8.27
